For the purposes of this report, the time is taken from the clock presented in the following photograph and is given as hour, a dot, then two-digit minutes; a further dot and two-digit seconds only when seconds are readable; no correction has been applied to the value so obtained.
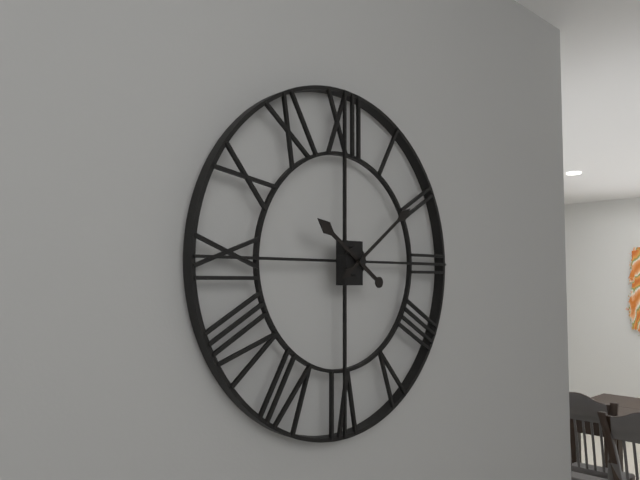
10.09
